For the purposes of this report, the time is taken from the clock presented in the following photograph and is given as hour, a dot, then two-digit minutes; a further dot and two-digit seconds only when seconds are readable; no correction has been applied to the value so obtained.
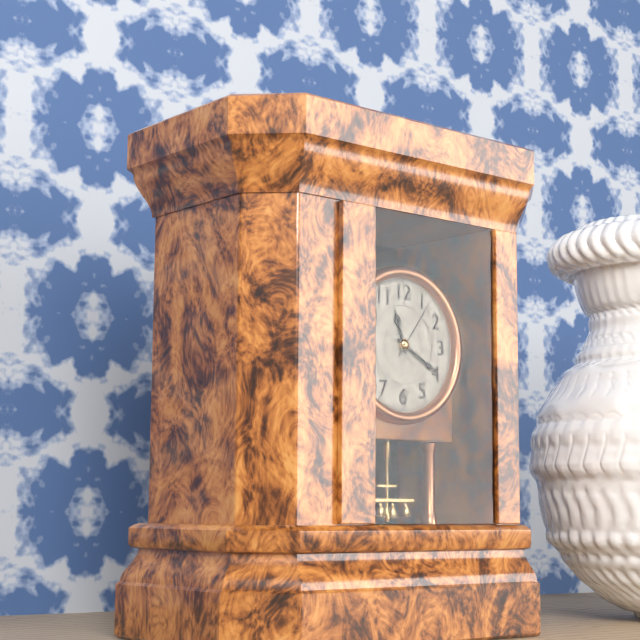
11.20.06
